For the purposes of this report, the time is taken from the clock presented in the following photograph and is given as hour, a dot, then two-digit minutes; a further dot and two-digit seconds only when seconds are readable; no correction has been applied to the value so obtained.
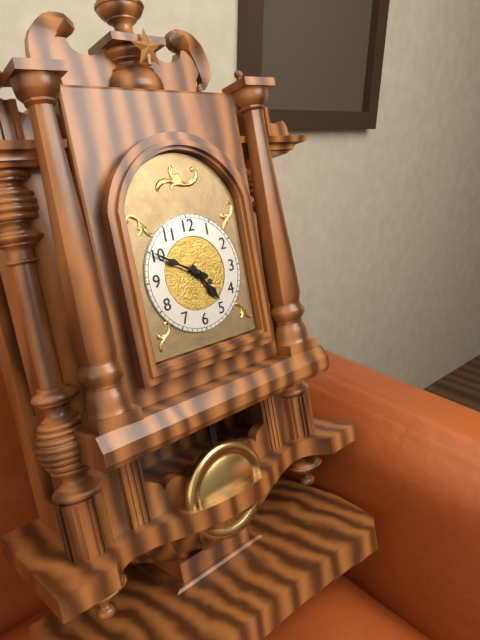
4.50
